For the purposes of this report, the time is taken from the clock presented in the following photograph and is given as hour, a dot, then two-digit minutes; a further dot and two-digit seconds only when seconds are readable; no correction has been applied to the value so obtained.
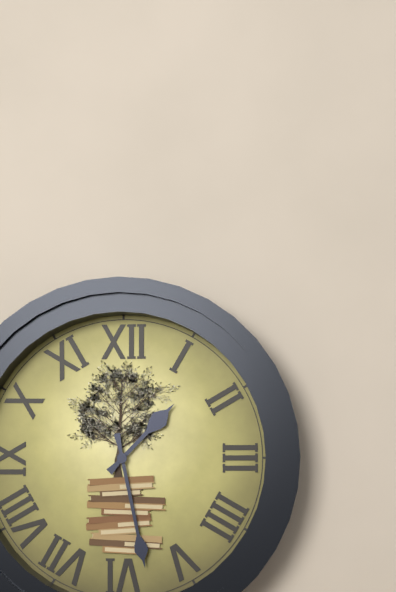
1.28
